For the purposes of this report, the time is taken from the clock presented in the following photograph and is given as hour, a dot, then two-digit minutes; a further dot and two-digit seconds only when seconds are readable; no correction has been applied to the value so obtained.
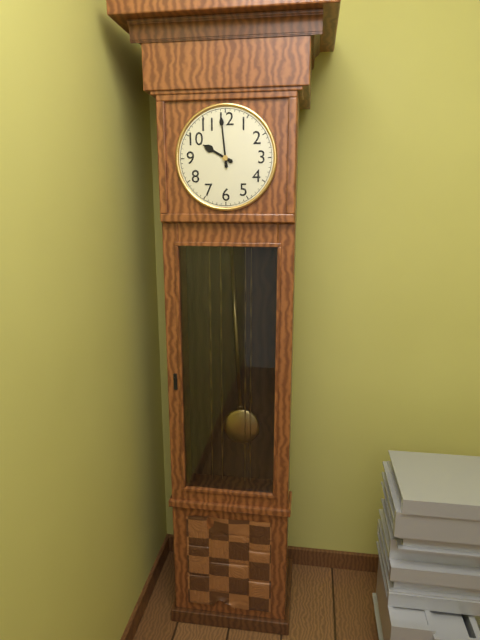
9.59
